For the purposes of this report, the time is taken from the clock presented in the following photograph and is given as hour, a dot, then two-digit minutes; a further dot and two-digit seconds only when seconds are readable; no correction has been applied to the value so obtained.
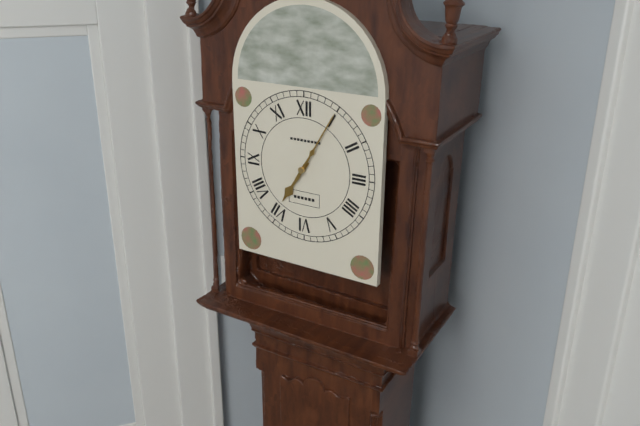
7.05
